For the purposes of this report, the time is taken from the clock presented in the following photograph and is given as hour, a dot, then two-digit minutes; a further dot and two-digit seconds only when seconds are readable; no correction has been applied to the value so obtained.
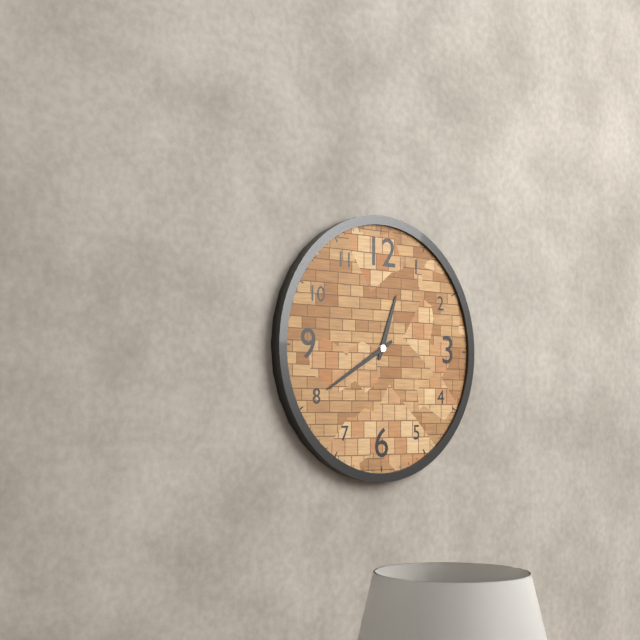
12.40
